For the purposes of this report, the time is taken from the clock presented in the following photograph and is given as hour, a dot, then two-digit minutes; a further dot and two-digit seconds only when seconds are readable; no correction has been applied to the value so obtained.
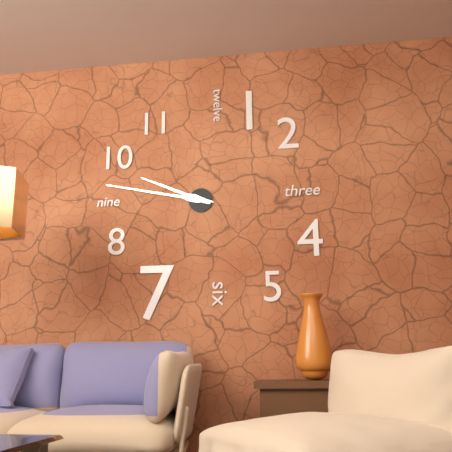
9.47
